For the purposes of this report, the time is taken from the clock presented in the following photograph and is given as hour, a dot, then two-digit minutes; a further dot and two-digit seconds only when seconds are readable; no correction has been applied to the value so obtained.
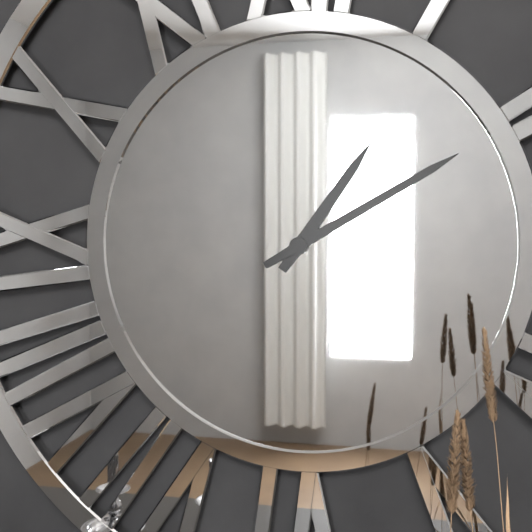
1.10
